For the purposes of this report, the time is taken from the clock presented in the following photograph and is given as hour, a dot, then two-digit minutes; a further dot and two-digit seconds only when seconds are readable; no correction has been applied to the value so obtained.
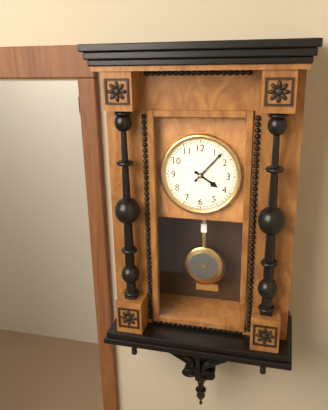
4.07
